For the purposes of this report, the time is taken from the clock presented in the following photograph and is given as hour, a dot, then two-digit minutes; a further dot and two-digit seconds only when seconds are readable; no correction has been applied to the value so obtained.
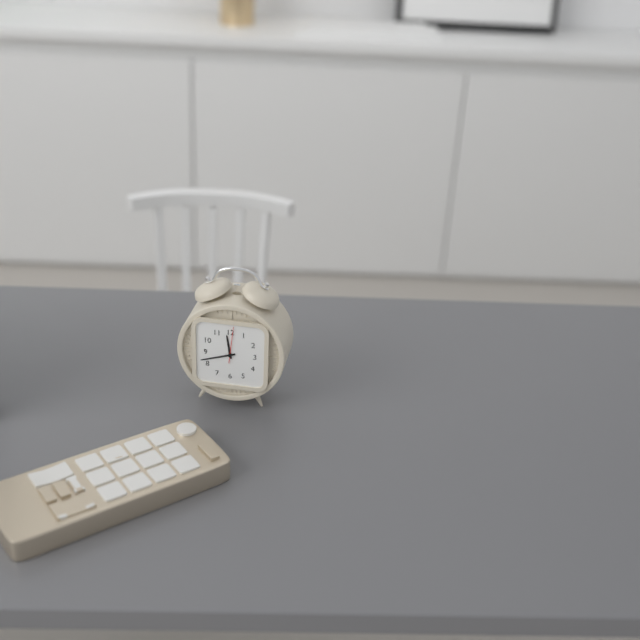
11.42
